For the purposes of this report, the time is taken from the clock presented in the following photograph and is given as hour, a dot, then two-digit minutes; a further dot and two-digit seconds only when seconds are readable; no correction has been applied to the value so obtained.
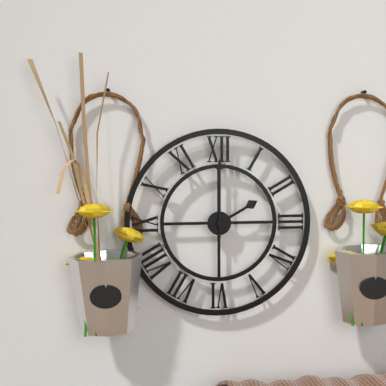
2.00
